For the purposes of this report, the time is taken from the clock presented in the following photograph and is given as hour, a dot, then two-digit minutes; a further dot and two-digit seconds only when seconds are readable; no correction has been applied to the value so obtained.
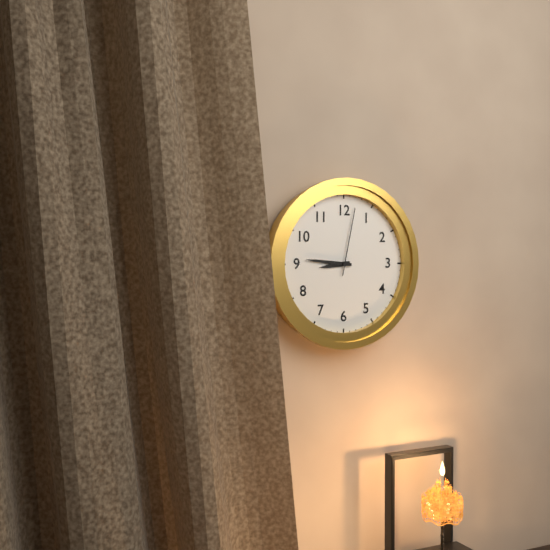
8.46.02
